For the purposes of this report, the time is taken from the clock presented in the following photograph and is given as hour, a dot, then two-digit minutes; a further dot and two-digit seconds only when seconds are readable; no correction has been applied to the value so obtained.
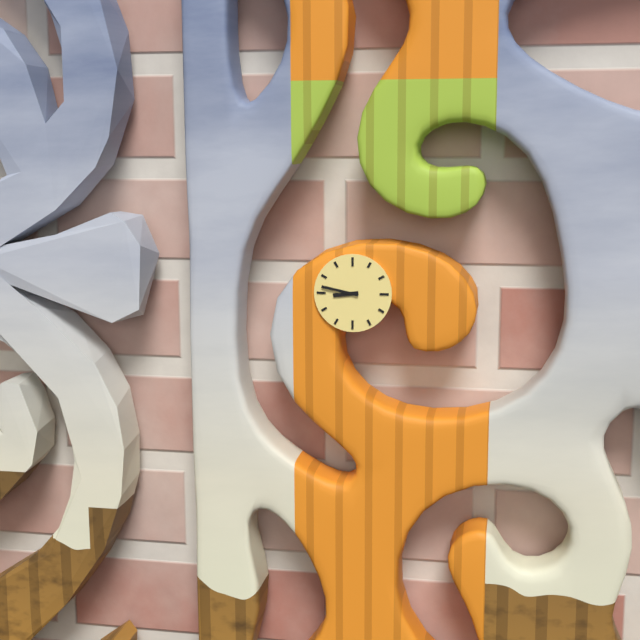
8.47
